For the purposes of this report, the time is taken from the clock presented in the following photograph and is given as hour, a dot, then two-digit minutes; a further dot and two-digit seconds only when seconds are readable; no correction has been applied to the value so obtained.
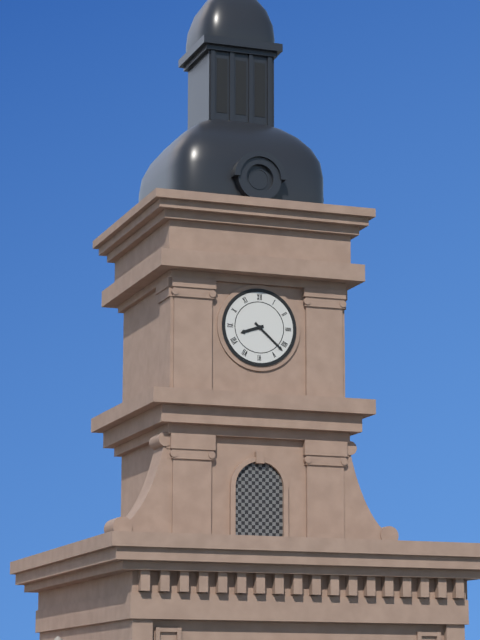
8.22
